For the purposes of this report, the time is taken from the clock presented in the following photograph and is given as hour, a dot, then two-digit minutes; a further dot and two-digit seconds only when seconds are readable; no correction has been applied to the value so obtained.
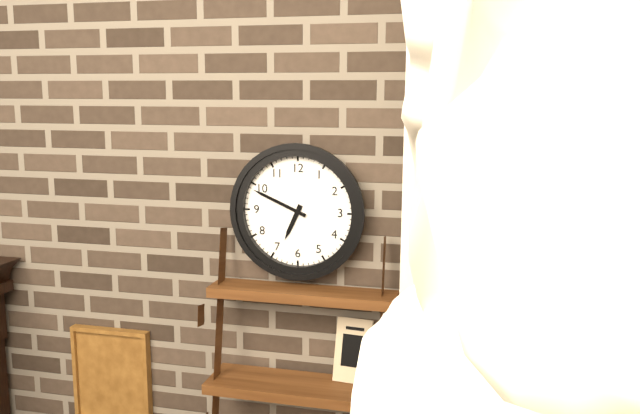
6.49
